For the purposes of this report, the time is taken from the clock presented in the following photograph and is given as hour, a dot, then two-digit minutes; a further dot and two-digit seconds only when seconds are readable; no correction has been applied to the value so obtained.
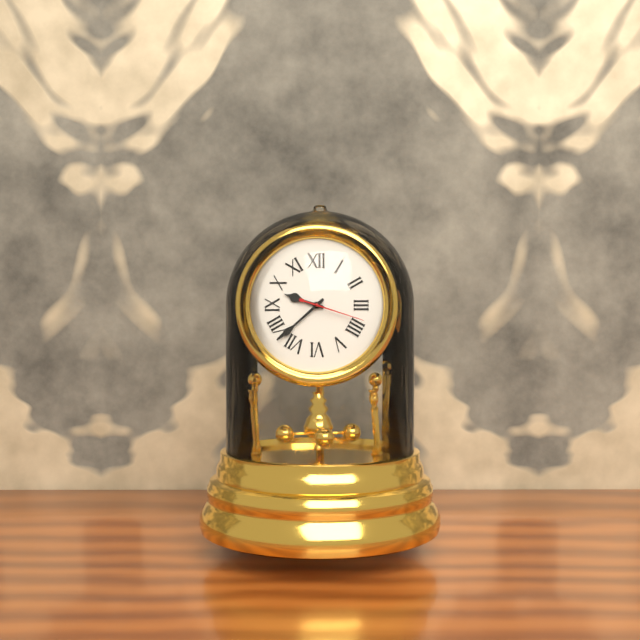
9.38.18
